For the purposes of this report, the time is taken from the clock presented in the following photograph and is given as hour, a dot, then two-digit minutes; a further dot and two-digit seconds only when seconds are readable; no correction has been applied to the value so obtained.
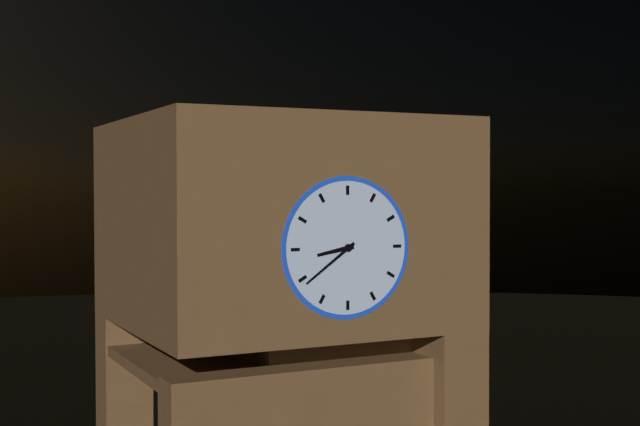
8.39
